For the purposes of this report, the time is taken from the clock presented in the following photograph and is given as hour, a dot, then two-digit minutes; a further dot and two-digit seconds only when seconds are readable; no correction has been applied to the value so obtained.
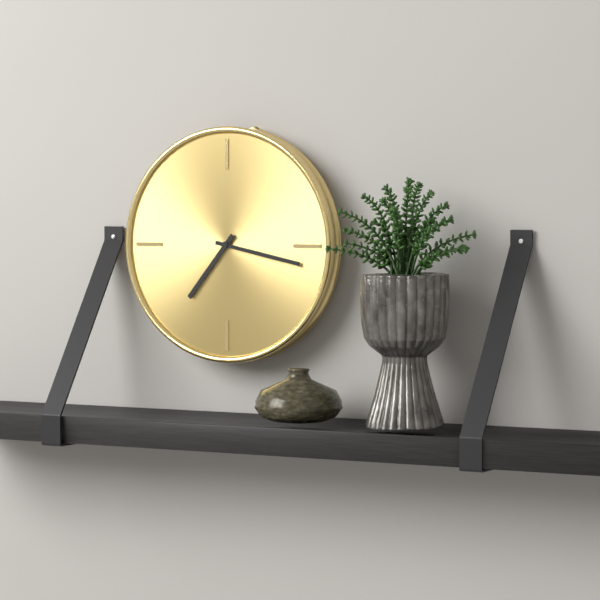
7.17
